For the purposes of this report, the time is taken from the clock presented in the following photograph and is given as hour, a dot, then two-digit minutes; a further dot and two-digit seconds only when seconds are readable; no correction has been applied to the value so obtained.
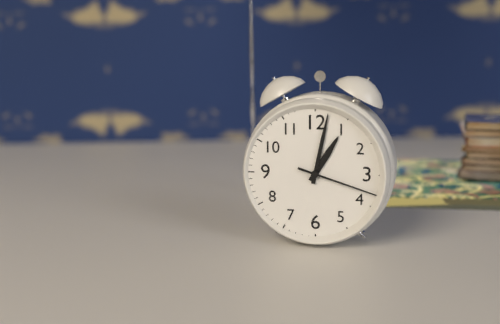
1.02.18
